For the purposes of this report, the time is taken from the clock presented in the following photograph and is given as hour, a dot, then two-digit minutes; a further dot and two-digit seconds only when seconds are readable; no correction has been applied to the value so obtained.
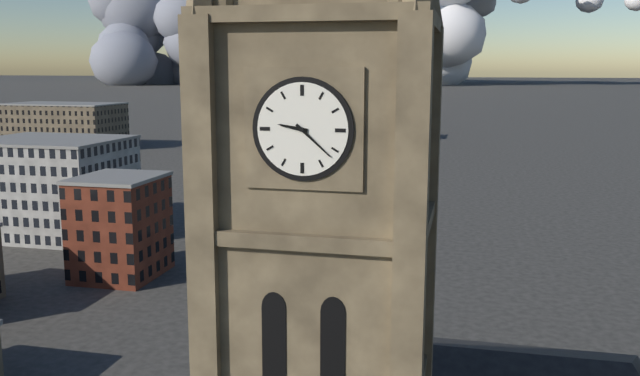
9.22
